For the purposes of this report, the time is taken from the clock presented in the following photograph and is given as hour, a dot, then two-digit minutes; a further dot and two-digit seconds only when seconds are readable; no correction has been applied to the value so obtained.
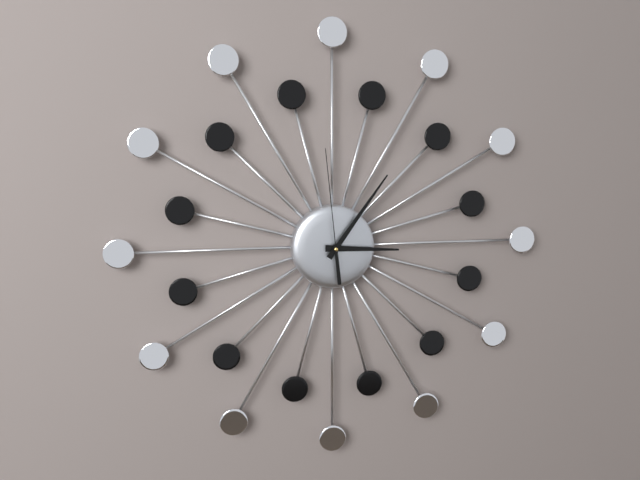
3.06.59
